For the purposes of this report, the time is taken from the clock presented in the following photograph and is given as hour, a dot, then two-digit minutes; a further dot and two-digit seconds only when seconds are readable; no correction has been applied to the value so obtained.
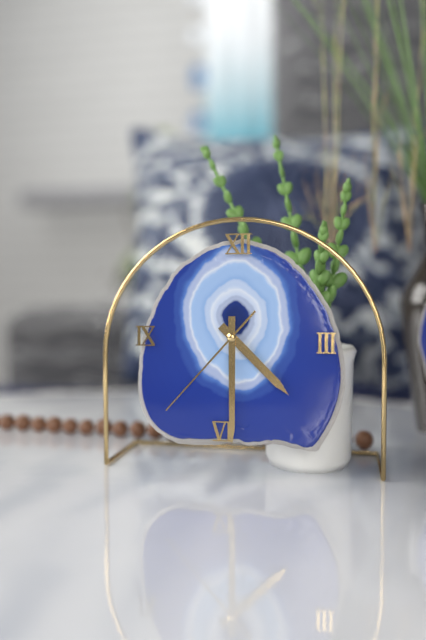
4.30.37
